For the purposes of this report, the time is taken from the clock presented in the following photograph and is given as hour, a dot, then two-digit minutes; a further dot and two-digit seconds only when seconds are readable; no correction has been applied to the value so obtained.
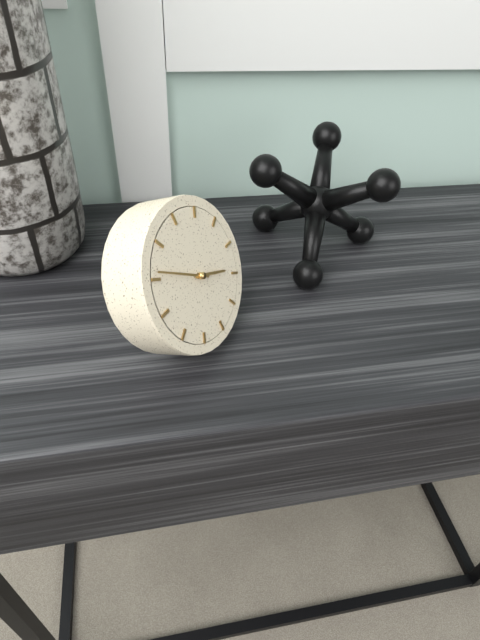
3.51
